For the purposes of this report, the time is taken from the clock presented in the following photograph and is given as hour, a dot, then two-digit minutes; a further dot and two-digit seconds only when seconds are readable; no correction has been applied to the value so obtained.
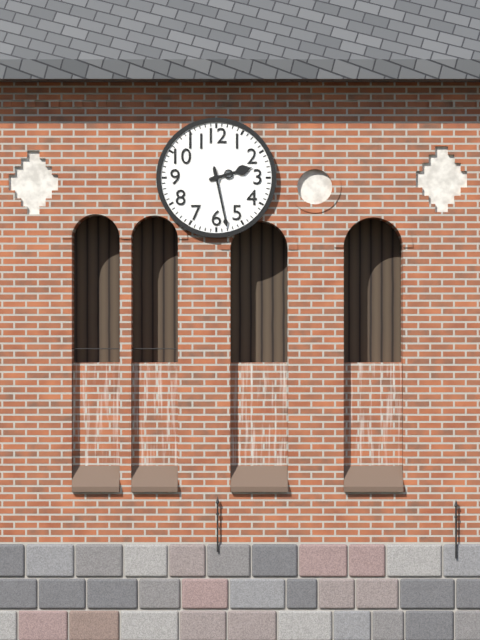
2.28
